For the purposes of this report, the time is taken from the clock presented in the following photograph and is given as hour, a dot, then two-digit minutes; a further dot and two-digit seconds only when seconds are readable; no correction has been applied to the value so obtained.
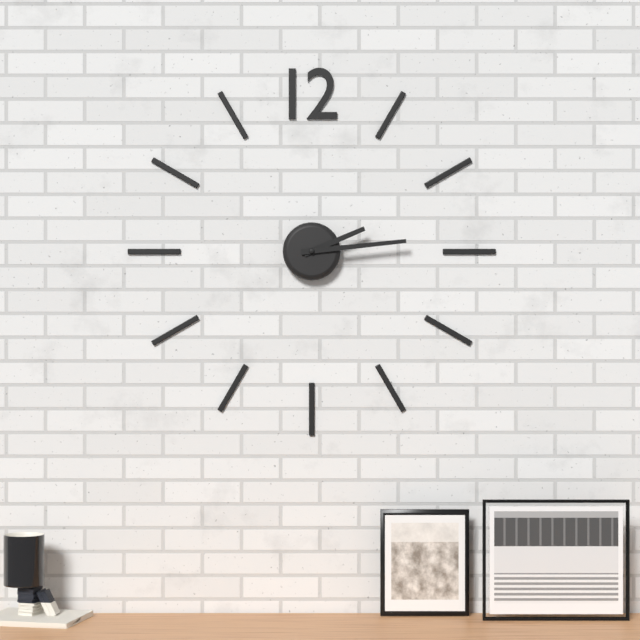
2.14
